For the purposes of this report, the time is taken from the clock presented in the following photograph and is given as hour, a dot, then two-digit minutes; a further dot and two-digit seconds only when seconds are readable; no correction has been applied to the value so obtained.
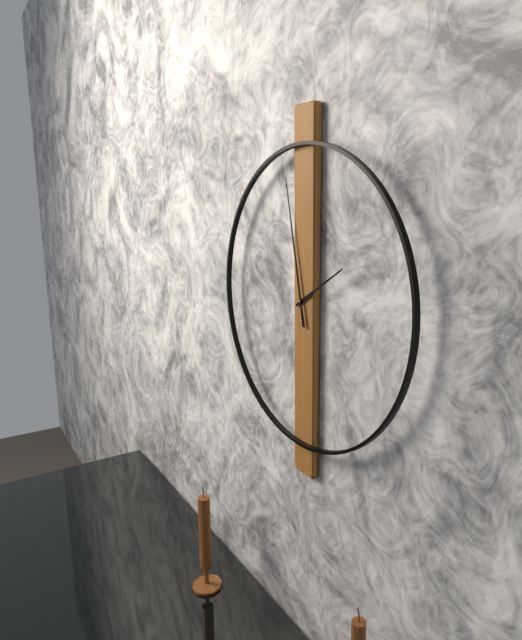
1.58
